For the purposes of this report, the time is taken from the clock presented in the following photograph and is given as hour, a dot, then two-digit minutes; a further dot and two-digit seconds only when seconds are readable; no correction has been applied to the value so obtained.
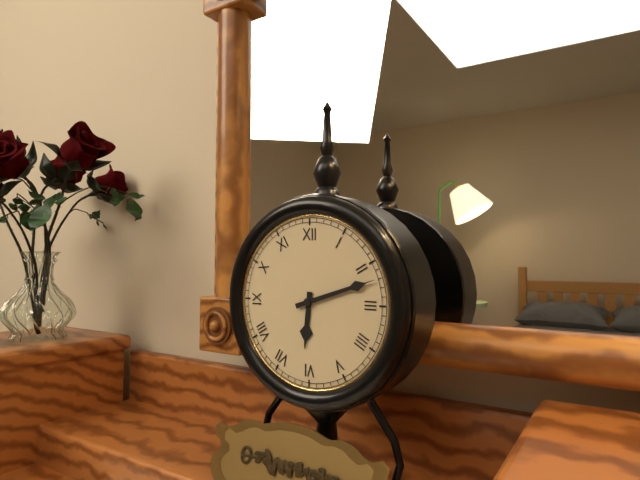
6.12
